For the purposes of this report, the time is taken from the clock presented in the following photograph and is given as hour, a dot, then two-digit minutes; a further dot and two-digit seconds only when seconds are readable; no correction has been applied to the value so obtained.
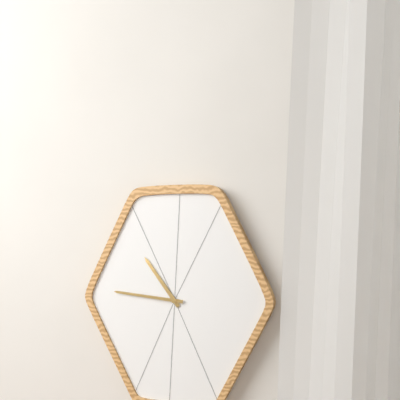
10.46
